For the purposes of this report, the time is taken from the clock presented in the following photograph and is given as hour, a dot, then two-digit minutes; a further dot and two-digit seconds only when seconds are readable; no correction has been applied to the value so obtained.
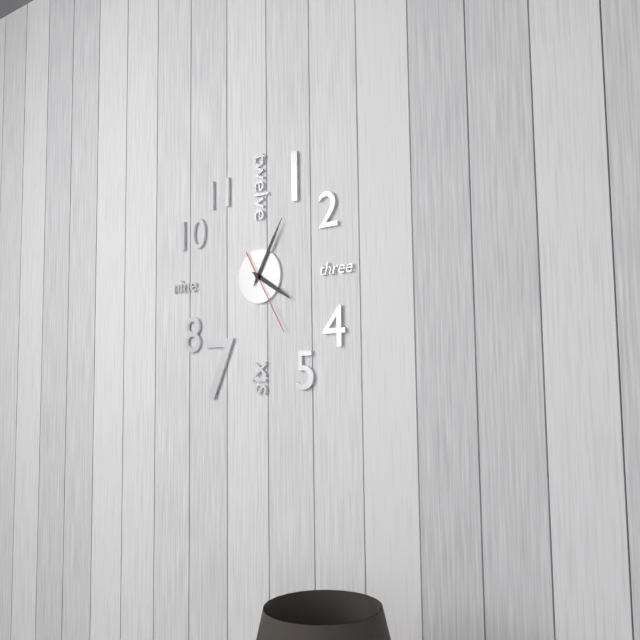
4.05.25
